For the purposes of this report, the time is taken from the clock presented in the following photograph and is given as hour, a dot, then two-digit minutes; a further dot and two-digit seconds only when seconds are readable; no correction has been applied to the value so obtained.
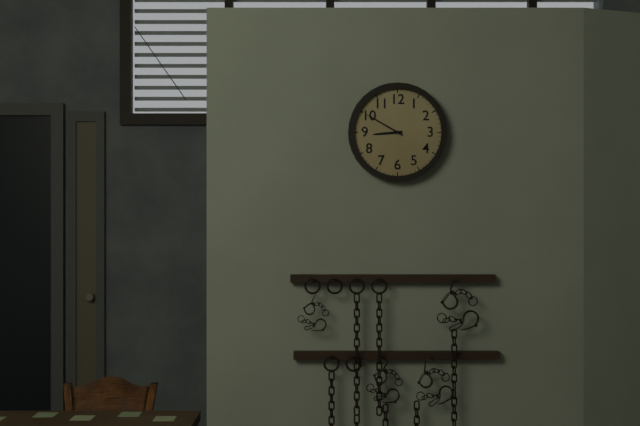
8.50
